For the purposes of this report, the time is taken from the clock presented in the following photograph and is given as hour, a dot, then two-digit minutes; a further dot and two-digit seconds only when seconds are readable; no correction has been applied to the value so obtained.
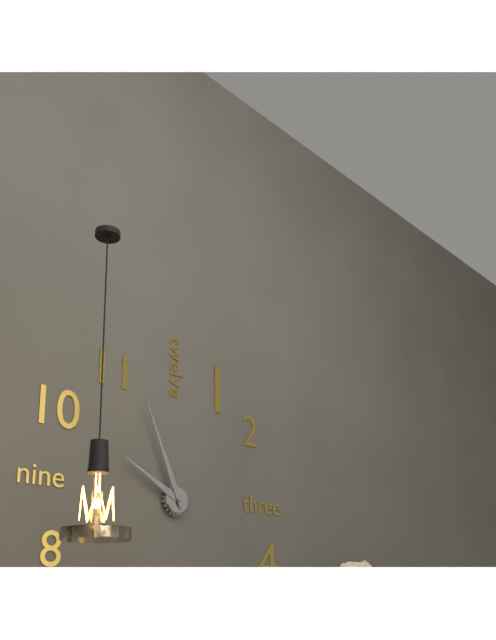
9.56
